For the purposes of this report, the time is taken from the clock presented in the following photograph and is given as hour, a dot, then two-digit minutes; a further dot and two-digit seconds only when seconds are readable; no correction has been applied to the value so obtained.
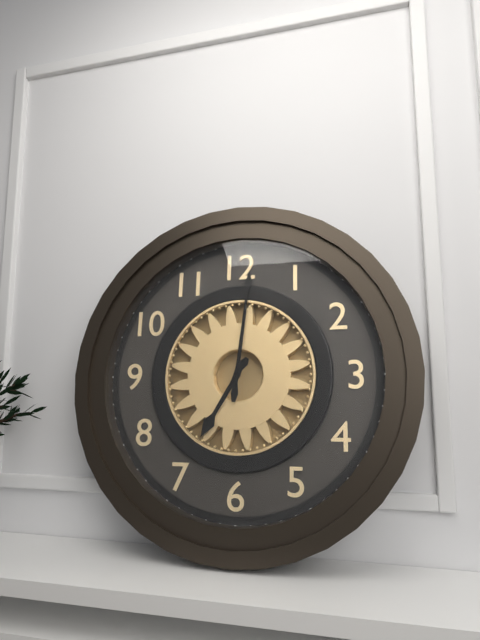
7.01
